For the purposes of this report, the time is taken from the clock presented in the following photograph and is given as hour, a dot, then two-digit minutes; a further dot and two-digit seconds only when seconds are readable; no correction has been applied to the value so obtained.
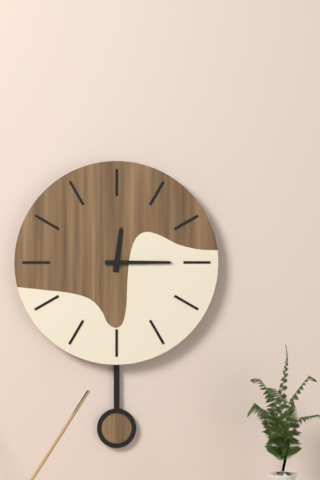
12.15
